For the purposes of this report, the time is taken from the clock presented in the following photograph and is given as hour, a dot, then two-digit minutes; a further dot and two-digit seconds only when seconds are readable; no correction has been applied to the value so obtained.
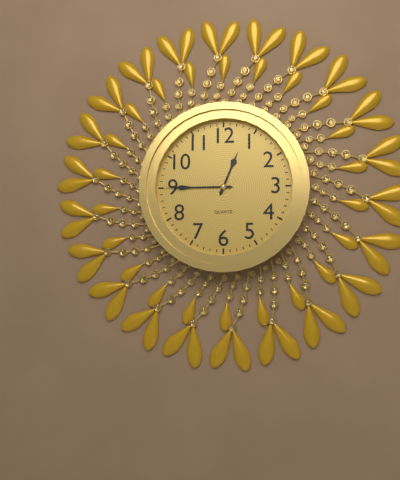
12.45
